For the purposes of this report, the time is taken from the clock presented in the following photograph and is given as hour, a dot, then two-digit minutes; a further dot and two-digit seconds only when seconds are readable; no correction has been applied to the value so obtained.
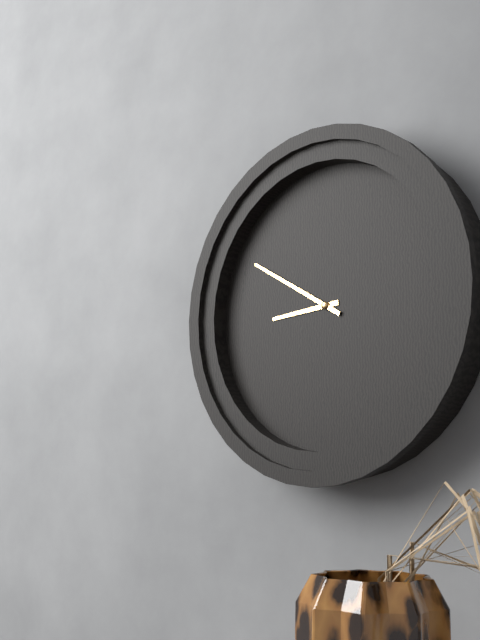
8.50
